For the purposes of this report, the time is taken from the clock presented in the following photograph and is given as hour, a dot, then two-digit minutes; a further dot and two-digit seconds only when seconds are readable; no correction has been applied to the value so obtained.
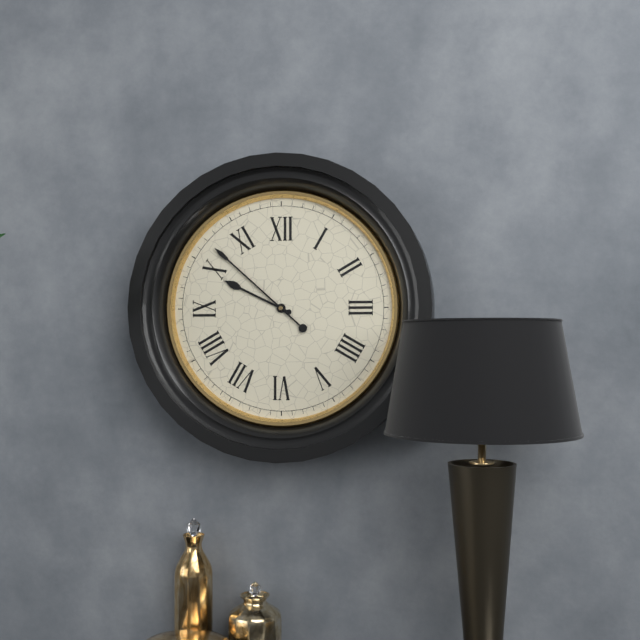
9.52
